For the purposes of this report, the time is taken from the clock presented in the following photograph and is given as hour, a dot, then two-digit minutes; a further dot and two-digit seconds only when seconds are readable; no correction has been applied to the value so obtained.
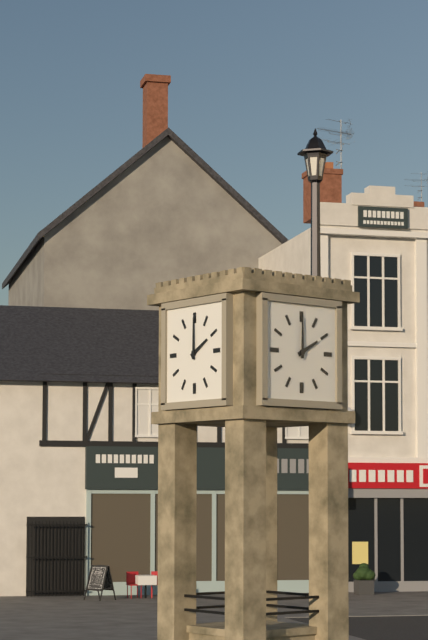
2.00
